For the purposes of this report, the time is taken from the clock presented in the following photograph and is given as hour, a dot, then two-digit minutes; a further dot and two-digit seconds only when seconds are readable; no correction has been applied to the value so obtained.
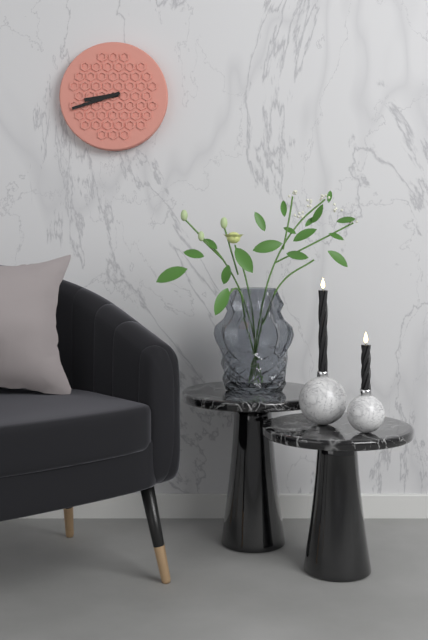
8.42
